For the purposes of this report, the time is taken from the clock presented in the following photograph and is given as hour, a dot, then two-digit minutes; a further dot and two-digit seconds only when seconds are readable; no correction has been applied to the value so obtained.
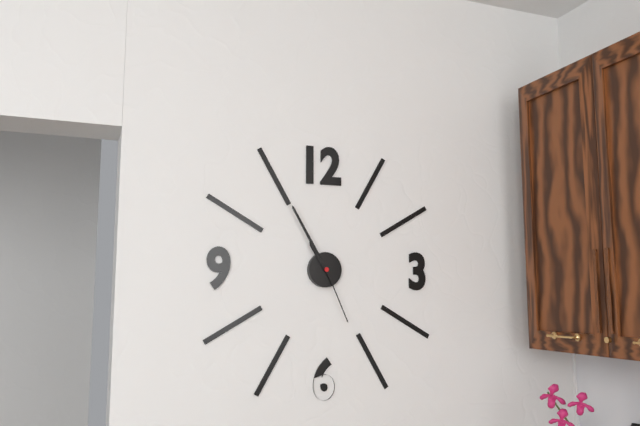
10.55.26
